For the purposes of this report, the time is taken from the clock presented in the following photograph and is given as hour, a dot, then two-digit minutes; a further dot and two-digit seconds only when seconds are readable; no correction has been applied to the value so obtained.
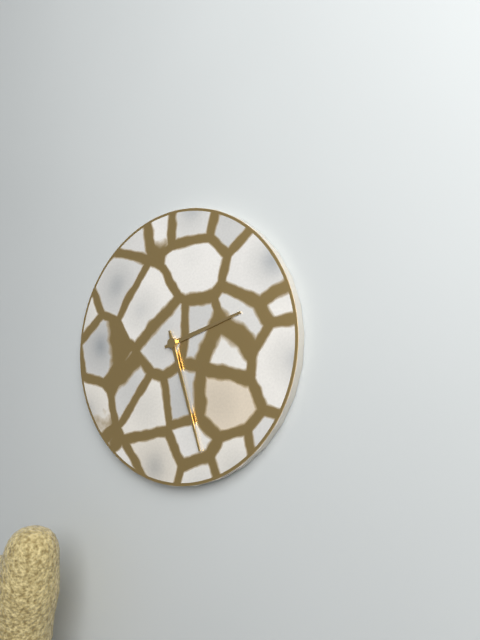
2.27
